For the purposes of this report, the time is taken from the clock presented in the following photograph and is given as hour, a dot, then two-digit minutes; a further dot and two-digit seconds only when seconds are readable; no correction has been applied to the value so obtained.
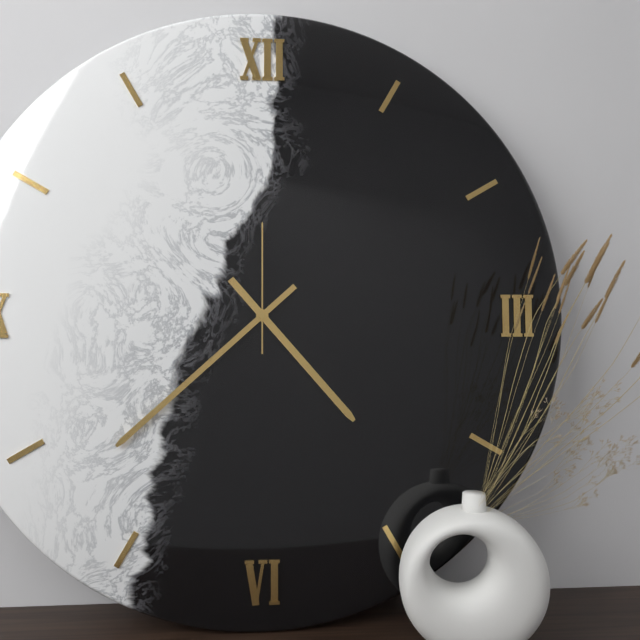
4.38.00
